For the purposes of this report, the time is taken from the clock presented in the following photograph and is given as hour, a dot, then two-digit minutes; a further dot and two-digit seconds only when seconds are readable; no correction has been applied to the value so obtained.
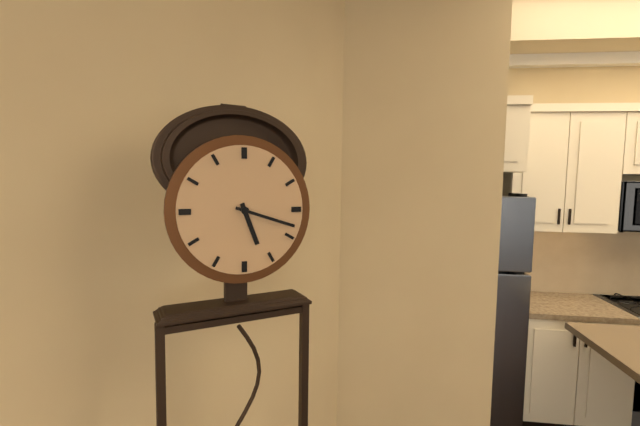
5.18
